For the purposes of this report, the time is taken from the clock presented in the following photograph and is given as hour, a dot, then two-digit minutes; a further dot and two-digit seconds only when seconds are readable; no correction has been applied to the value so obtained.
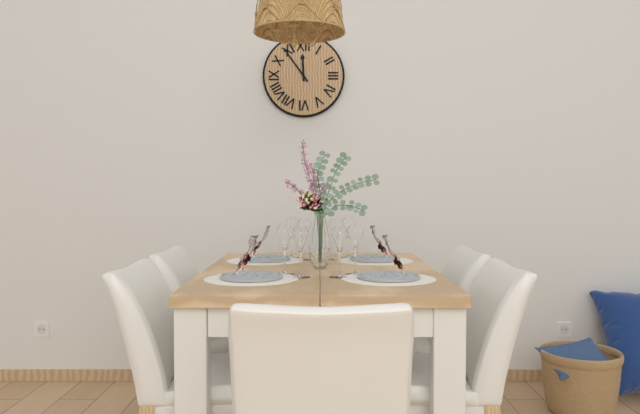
11.54
